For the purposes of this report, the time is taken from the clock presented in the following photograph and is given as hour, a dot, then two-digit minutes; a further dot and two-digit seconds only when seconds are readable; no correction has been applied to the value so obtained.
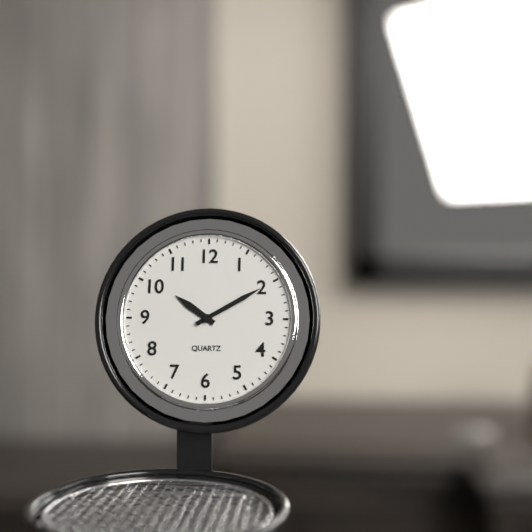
10.10
